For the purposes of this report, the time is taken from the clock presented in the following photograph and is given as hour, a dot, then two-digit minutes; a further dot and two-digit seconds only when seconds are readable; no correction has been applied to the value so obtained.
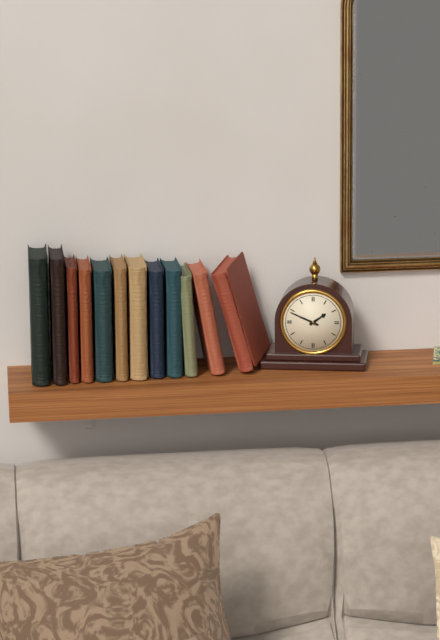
1.49
